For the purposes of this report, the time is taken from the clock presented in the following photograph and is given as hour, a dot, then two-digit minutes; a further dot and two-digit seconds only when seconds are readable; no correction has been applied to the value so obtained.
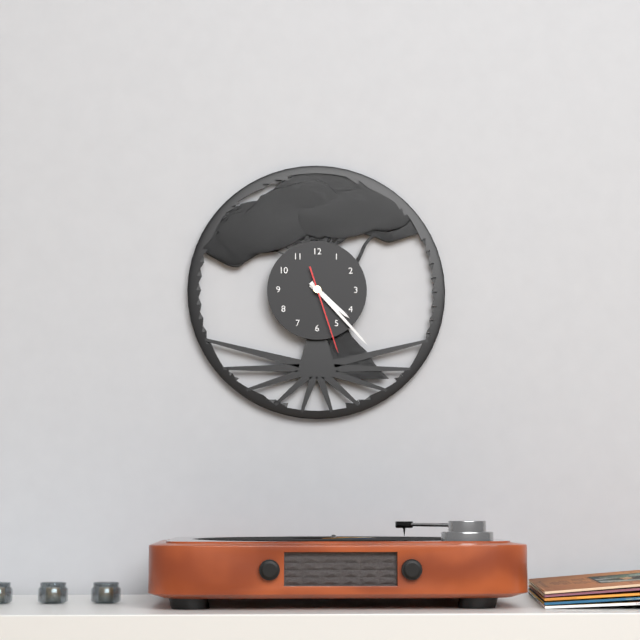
4.23.27
